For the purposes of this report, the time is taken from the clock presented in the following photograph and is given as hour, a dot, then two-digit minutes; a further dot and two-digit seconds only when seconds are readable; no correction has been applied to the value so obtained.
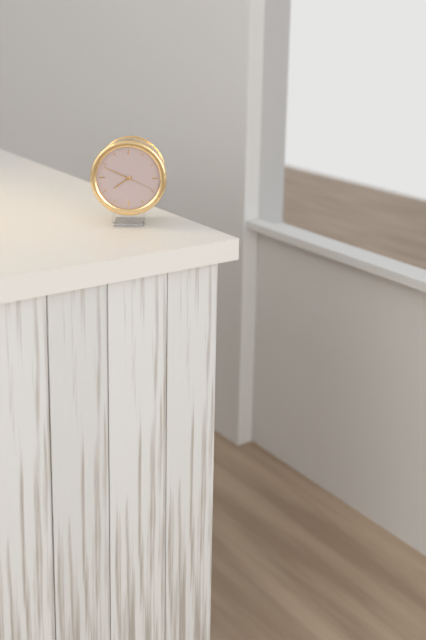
7.49
